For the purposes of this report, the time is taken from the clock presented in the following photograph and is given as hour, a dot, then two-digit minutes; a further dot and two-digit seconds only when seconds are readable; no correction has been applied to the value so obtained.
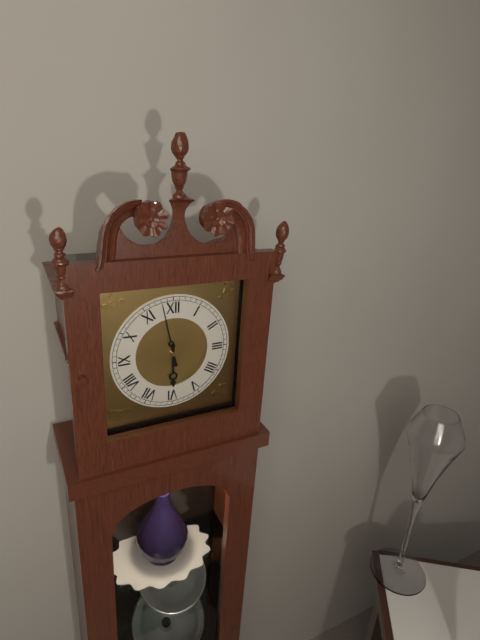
5.58
